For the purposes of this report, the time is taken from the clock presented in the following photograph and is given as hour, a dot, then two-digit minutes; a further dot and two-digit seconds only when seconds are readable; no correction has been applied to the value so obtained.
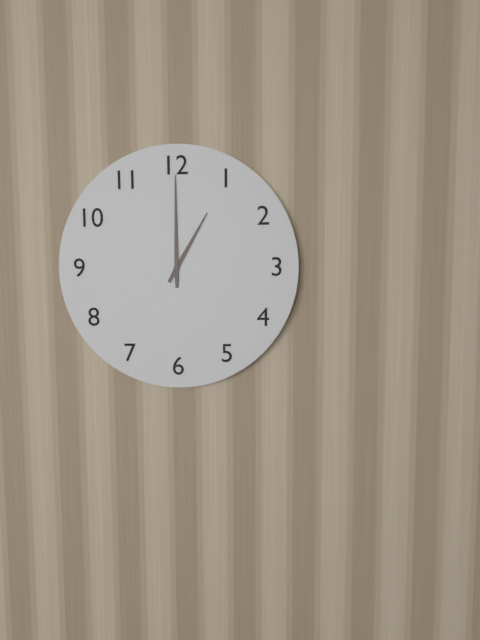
1.00
